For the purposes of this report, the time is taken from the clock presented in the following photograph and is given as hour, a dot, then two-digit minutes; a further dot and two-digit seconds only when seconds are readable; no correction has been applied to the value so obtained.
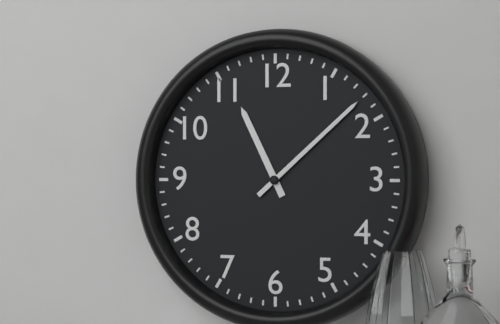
11.08
